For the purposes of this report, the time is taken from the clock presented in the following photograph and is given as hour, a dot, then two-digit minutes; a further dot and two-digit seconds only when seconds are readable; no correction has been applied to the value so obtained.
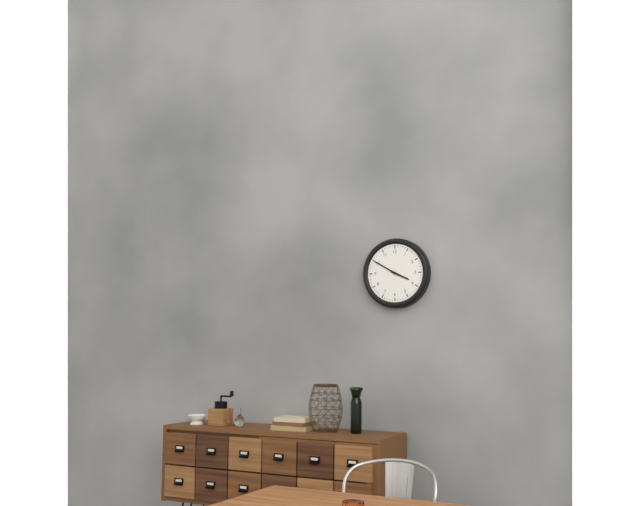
3.50
